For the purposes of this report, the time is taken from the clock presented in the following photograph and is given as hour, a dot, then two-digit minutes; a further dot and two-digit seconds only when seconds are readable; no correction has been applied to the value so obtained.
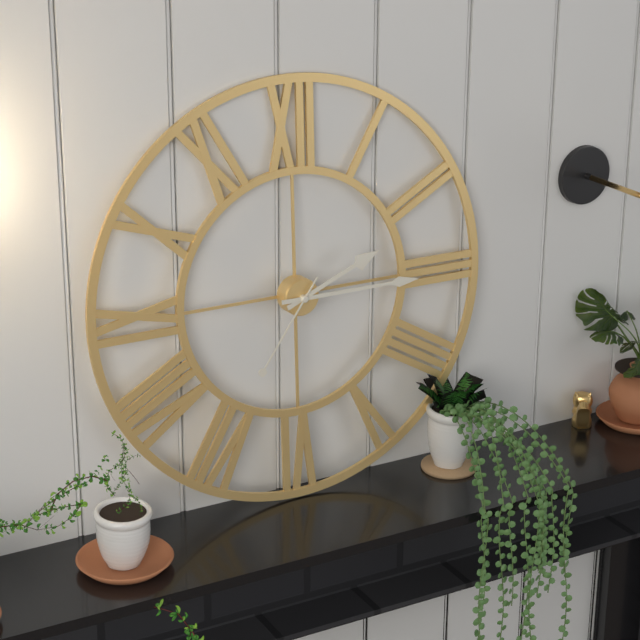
2.15.36
